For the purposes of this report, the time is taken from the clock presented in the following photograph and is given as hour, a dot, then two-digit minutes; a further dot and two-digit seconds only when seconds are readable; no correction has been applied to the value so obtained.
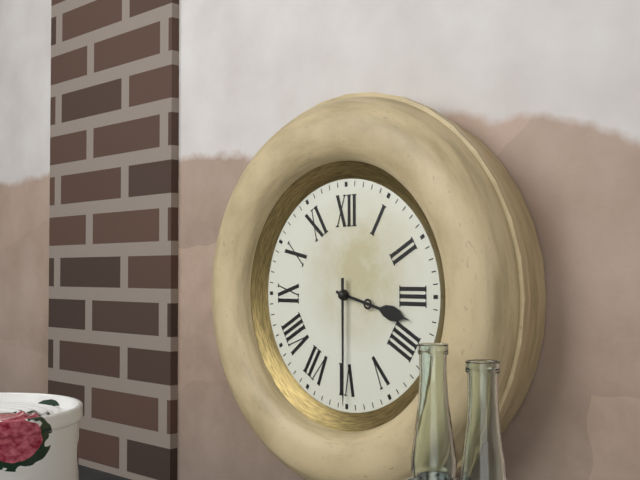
3.30
